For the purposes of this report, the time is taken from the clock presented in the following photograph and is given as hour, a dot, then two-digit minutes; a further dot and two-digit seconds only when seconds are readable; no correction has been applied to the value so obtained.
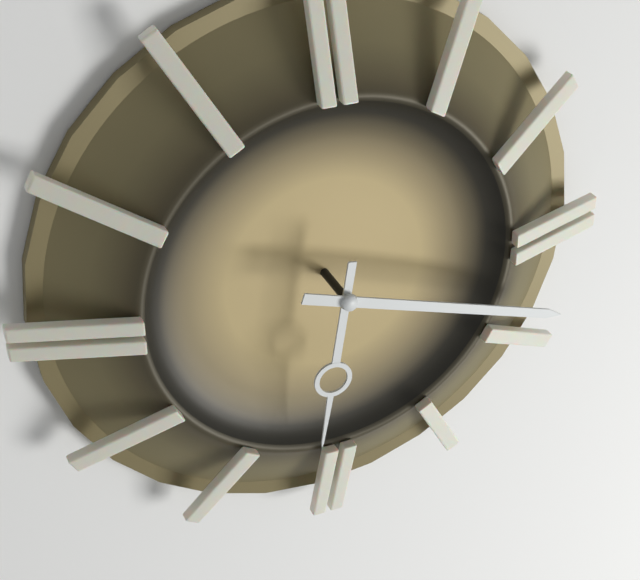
6.18
